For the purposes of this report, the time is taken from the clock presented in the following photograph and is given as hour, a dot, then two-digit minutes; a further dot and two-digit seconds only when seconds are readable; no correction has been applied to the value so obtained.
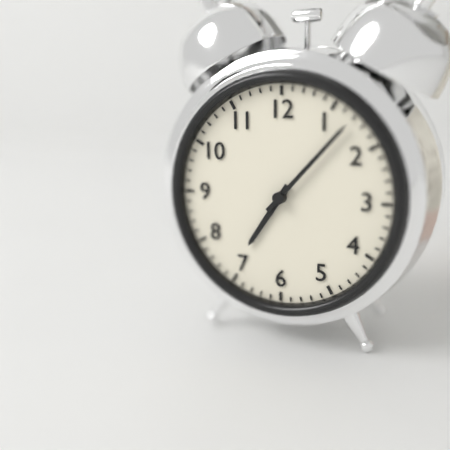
7.07
